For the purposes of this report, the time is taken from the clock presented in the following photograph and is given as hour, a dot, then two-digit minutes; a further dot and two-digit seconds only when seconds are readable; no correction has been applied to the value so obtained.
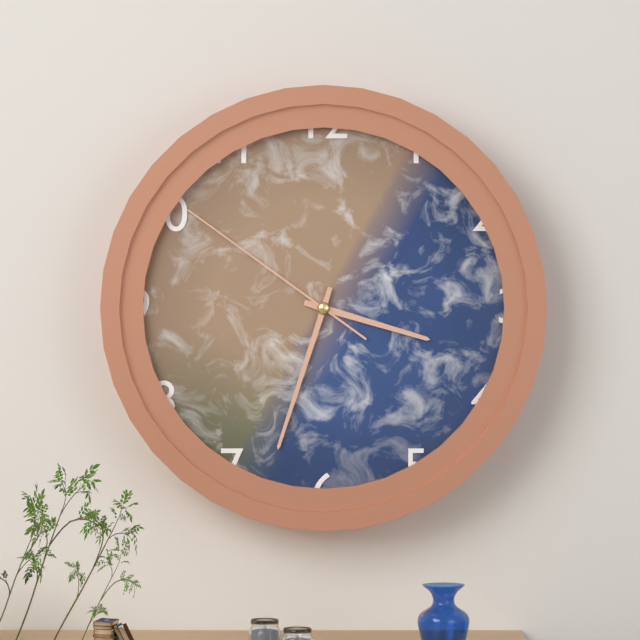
3.33.51
